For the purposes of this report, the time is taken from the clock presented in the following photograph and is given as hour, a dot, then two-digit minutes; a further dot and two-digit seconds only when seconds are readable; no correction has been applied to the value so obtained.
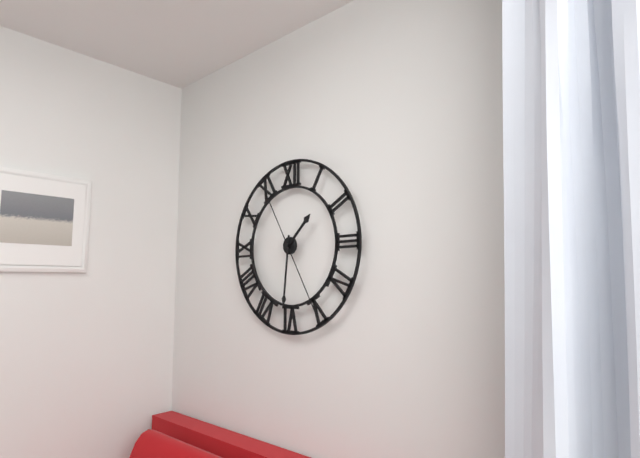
1.31.25
